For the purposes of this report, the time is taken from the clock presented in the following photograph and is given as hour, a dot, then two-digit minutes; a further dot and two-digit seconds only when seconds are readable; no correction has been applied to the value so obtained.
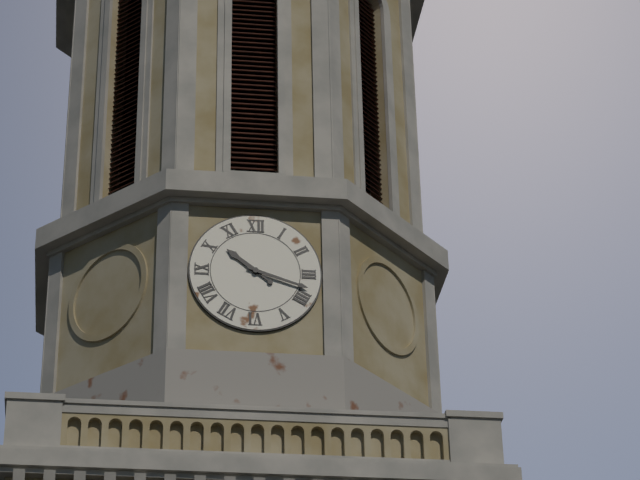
10.18
